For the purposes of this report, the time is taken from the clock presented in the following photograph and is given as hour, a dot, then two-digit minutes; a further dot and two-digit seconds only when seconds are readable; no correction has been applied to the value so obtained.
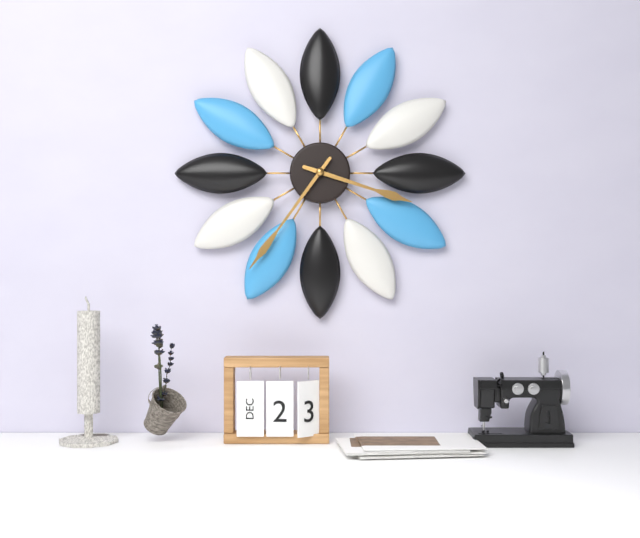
3.36
